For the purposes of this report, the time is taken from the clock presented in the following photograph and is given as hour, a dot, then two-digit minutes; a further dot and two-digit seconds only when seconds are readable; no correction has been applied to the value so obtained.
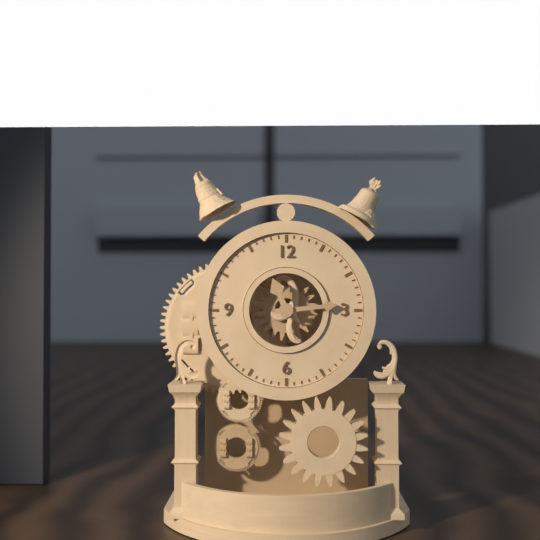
11.14
